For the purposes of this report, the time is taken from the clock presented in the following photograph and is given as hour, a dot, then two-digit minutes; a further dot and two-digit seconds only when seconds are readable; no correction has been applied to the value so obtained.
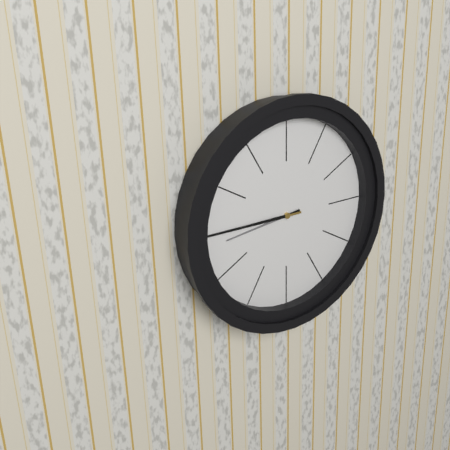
8.45
